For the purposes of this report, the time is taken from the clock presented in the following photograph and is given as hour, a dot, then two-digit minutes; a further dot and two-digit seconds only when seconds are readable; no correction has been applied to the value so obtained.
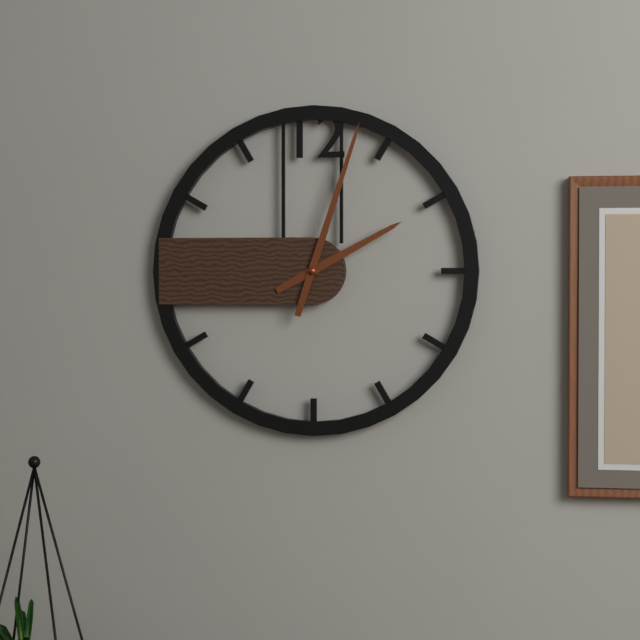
2.03
